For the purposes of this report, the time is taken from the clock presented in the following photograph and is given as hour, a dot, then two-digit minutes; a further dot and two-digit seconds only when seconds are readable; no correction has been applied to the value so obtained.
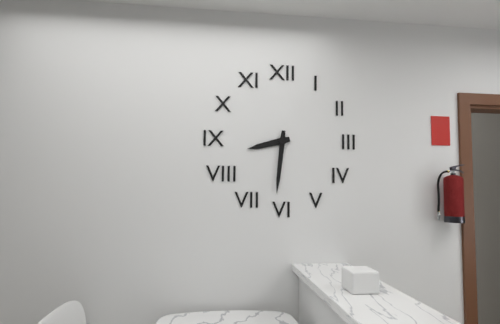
8.31
